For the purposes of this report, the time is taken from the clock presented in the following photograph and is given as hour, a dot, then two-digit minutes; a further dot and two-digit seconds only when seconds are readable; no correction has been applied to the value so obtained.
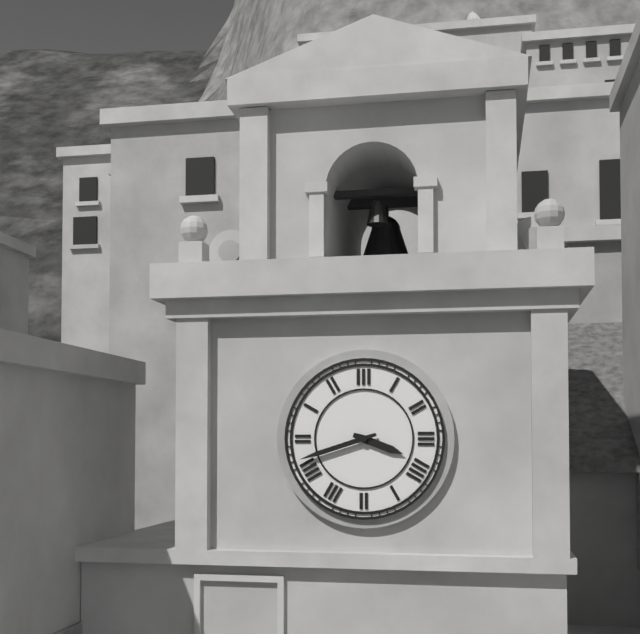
3.42
